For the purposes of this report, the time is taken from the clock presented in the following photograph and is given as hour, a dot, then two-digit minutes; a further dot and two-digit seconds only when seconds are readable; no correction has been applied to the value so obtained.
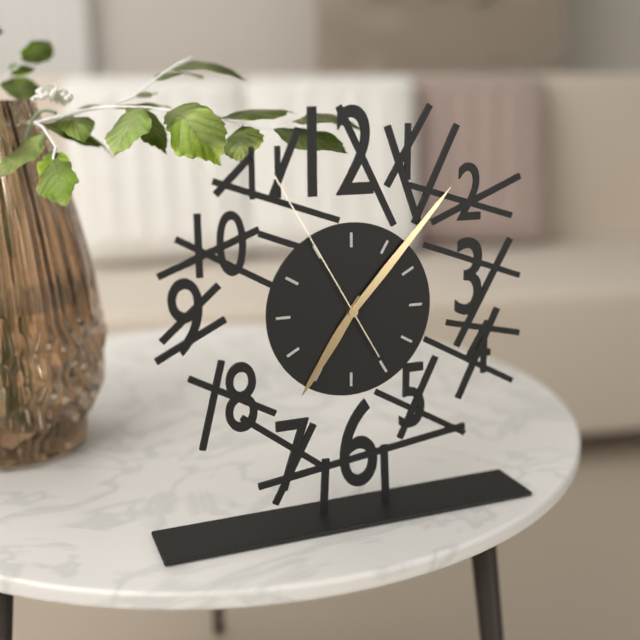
7.07.55
